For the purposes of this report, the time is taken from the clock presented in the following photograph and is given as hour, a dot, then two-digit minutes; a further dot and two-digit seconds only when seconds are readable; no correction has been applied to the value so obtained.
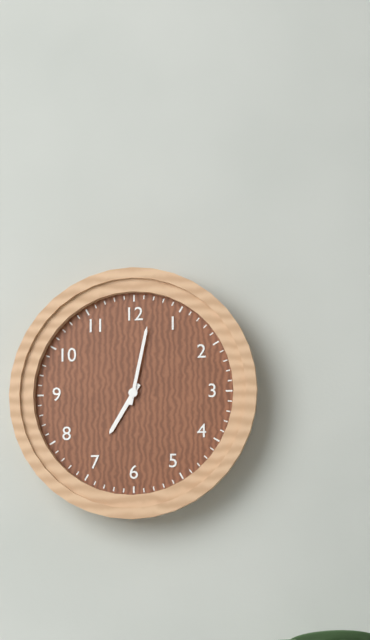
7.02
